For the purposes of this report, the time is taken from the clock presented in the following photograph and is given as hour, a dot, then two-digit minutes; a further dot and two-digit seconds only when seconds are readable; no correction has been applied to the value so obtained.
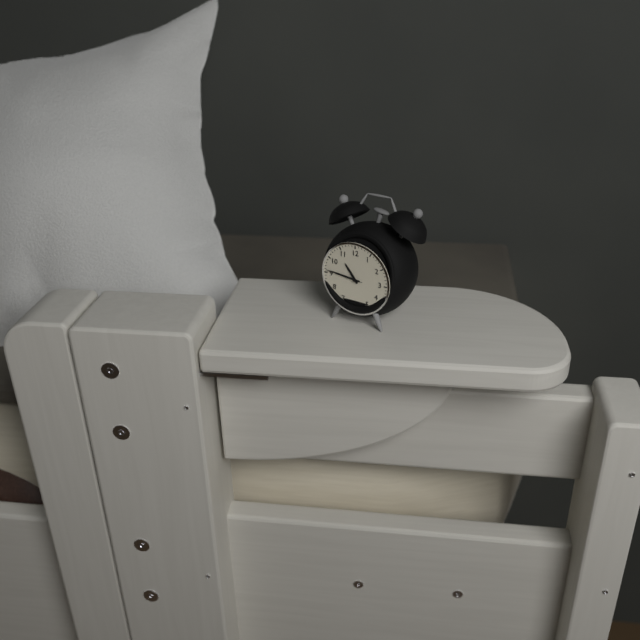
10.46
